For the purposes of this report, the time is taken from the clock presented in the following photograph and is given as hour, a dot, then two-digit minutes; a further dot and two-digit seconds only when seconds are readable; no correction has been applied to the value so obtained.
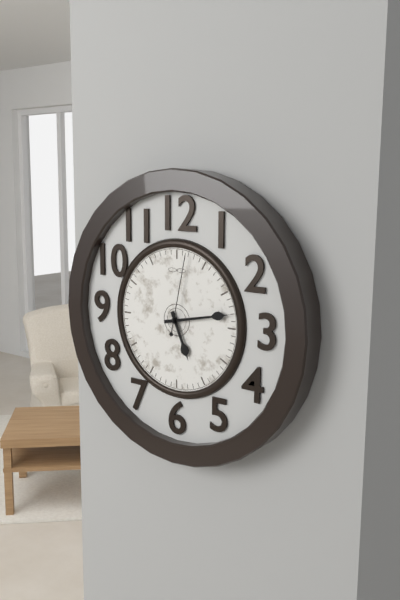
5.13.02
